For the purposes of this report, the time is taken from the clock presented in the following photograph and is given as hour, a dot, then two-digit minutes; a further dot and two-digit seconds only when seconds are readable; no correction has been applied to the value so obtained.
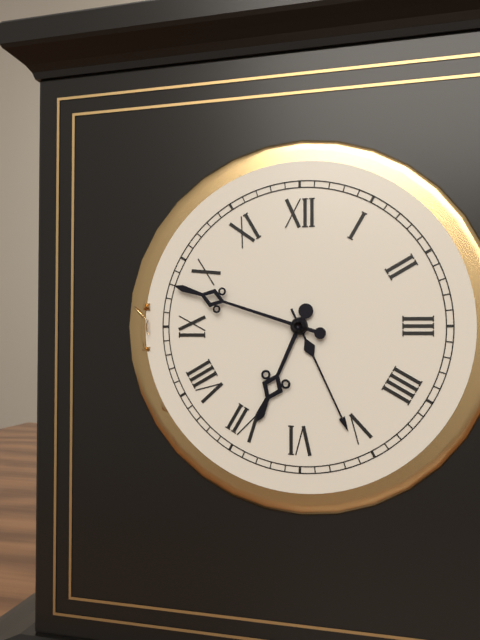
6.48
